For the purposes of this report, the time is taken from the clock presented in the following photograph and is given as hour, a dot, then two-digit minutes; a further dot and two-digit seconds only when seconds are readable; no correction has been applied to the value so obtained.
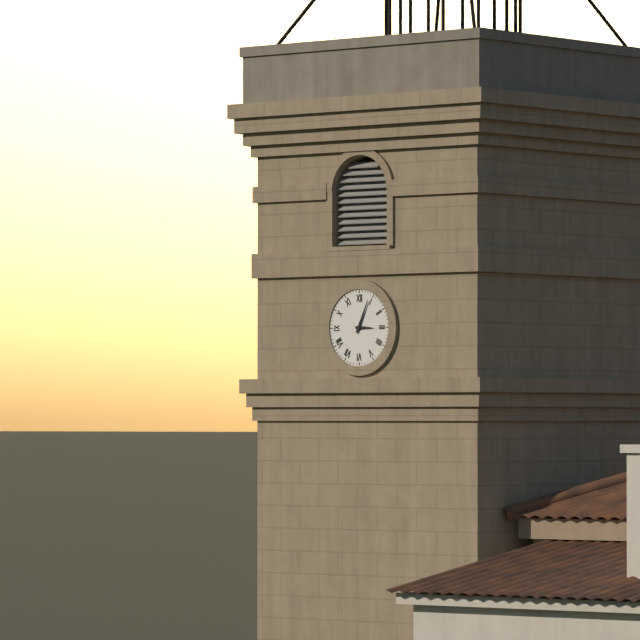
3.04
